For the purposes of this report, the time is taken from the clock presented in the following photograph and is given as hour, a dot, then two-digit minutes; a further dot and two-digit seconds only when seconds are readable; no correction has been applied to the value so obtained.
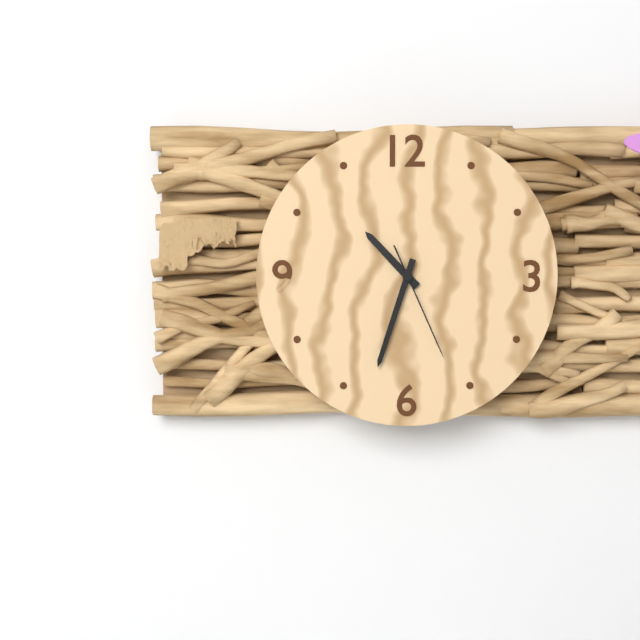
10.33.26
